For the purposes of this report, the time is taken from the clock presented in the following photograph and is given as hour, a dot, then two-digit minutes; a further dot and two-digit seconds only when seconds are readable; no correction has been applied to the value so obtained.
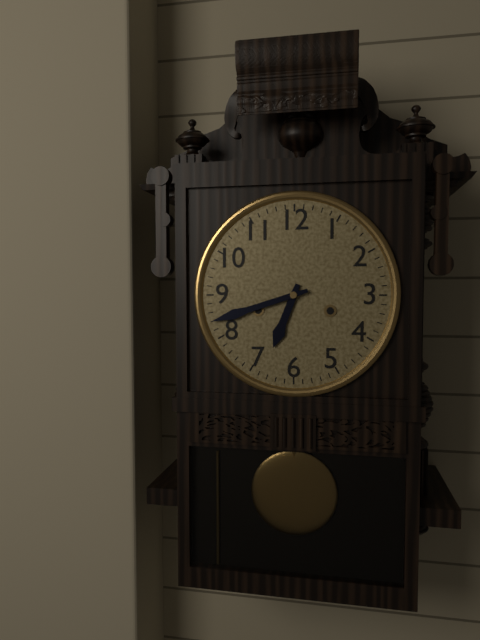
6.42
